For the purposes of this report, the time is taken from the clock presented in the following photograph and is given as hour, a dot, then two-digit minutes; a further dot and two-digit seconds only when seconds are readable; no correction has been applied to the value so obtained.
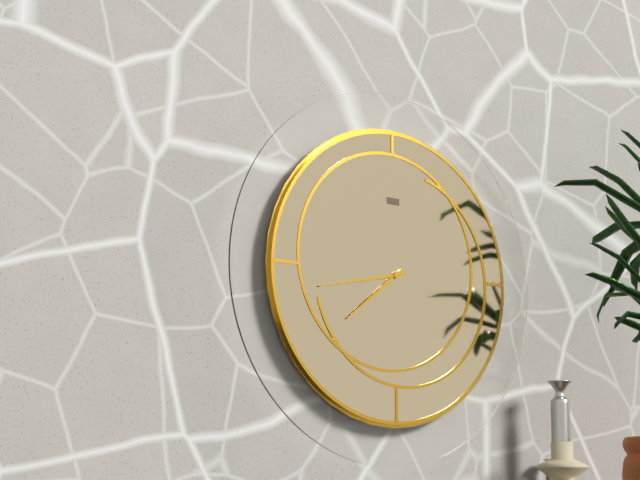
7.43
